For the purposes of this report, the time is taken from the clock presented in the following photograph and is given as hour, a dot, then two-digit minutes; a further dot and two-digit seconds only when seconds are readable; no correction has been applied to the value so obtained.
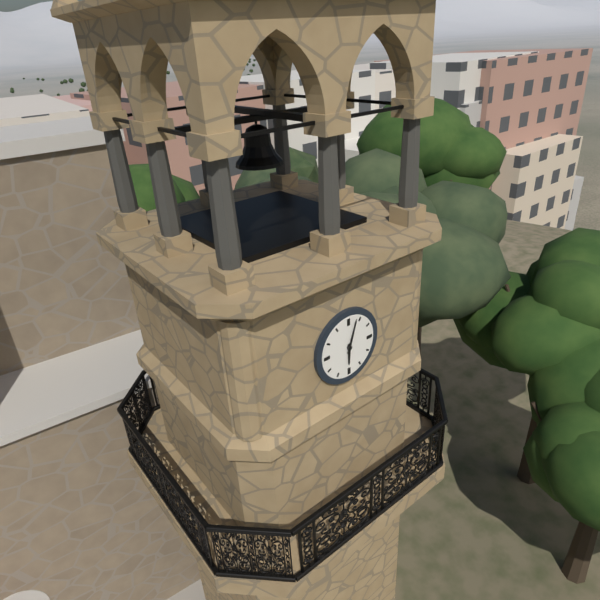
6.03
